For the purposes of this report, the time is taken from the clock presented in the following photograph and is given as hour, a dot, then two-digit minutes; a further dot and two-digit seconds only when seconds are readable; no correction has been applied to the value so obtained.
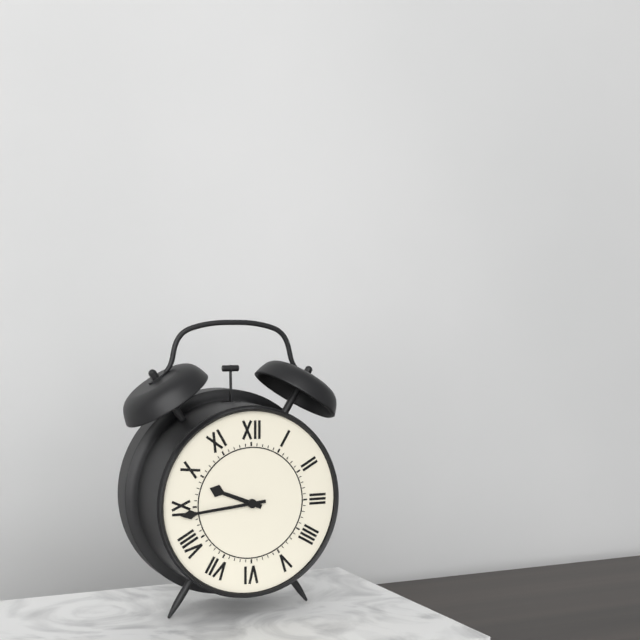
9.44
